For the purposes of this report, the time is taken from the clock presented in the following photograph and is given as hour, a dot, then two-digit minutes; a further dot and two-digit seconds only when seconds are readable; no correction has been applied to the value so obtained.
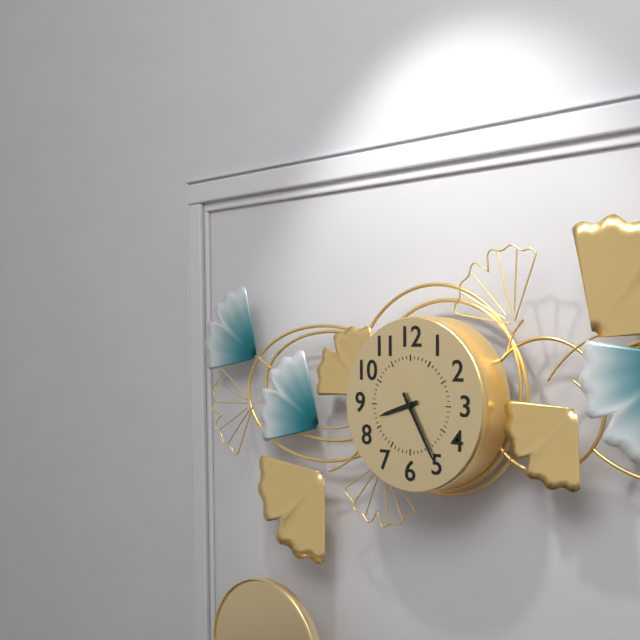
8.25
